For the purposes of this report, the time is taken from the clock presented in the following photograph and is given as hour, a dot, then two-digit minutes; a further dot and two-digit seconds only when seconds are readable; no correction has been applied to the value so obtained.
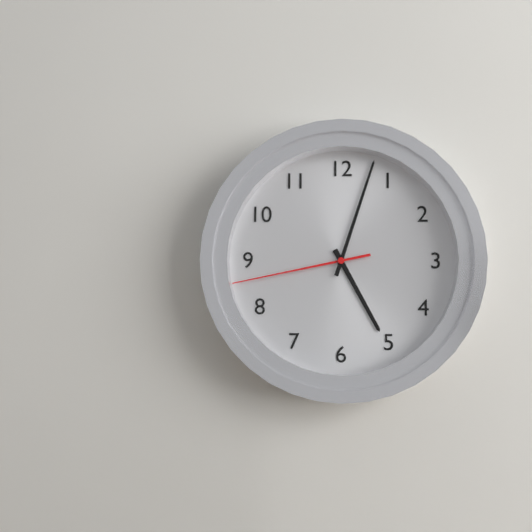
5.03.43
